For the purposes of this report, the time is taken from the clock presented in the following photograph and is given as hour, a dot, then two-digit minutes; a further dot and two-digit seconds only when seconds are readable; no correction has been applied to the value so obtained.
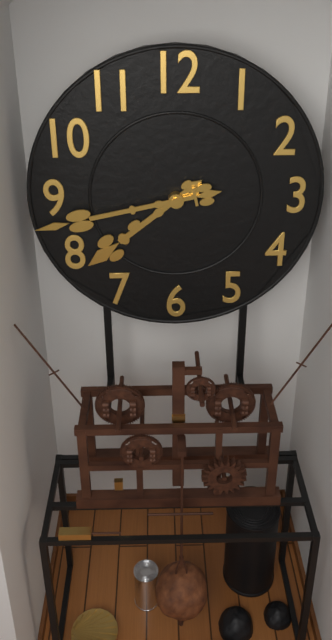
7.43
